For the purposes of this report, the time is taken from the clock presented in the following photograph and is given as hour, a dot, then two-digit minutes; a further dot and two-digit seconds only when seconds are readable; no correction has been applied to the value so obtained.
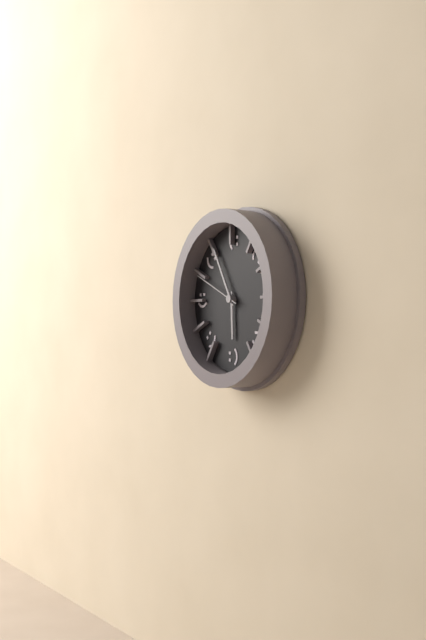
5.55.49
